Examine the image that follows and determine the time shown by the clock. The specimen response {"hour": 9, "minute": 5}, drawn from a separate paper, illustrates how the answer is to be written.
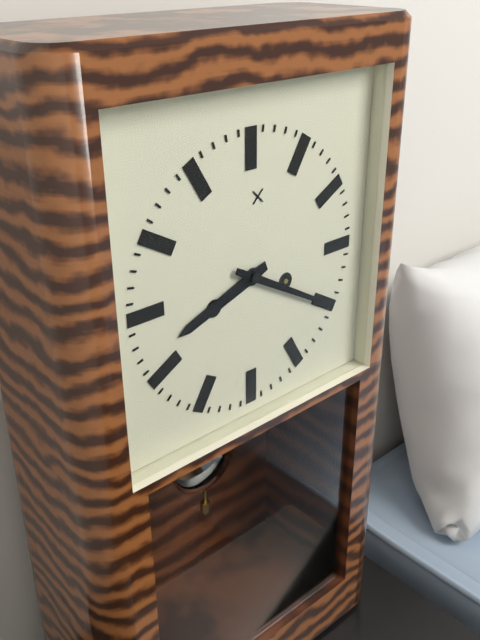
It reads {"hour": 8, "minute": 20}
